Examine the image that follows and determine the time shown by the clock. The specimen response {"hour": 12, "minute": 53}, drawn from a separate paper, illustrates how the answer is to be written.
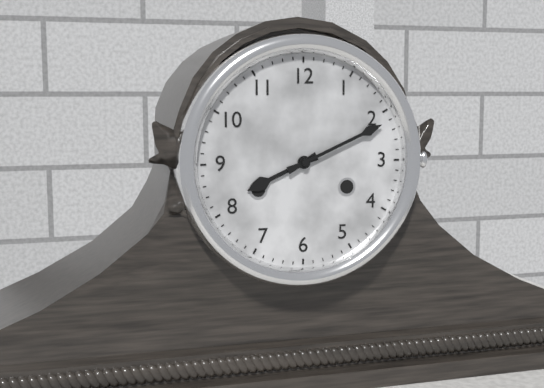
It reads {"hour": 8, "minute": 11}
